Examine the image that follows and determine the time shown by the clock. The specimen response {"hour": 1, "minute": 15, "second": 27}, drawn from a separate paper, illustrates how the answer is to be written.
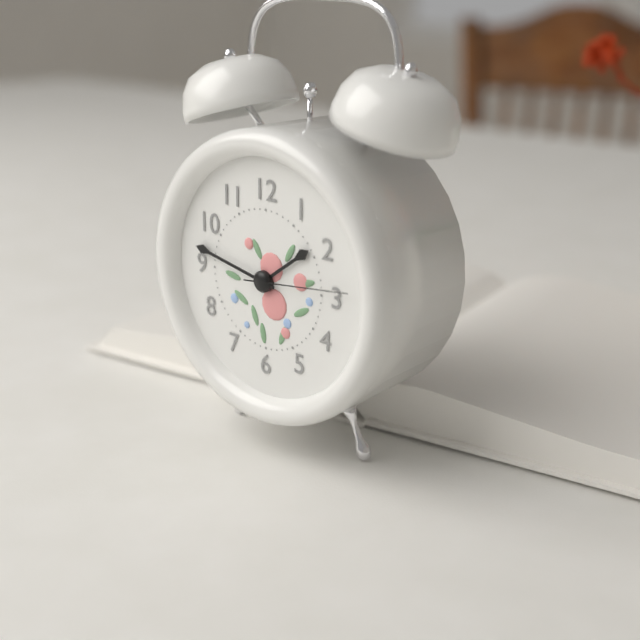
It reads {"hour": 1, "minute": 47, "second": 14}
